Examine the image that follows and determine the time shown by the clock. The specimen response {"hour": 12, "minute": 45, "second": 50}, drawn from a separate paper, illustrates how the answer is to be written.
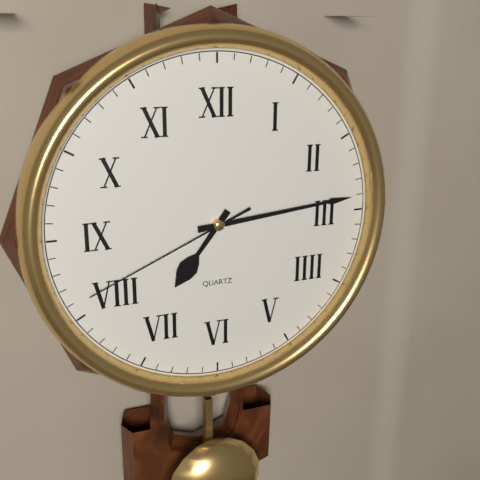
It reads {"hour": 7, "minute": 14, "second": 41}
